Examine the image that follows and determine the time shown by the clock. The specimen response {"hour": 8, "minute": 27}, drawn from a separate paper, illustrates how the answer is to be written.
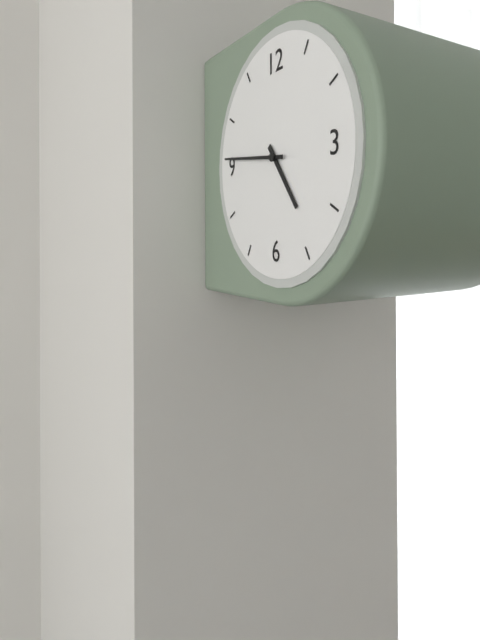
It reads {"hour": 4, "minute": 46}
